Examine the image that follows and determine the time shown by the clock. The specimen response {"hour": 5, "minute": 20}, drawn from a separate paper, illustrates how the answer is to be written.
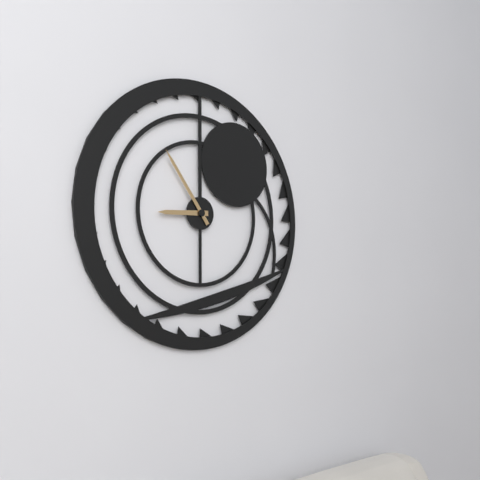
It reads {"hour": 8, "minute": 54}
